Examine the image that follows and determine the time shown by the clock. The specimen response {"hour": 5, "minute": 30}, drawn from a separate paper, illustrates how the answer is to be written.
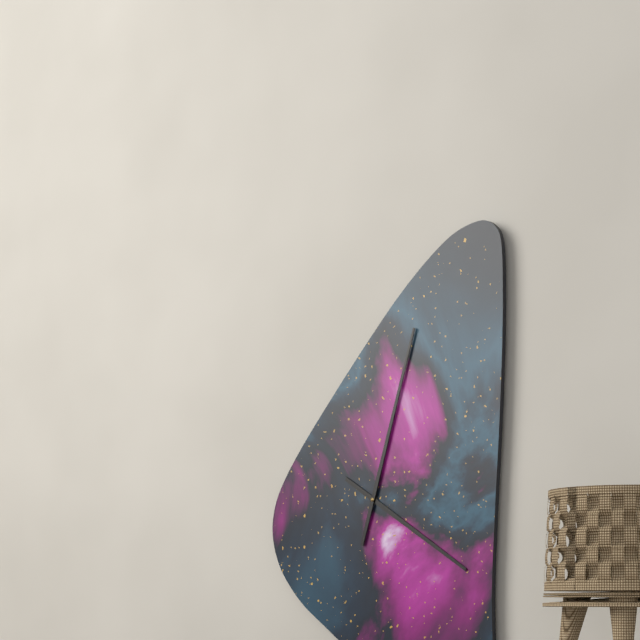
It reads {"hour": 4, "minute": 3}
